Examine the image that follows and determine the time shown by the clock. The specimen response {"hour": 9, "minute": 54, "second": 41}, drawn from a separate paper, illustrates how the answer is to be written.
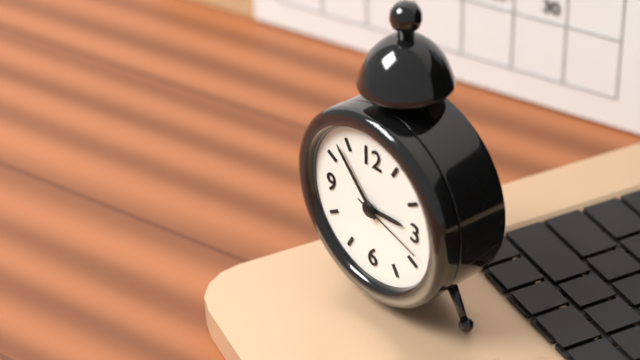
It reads {"hour": 2, "minute": 53, "second": 18}
